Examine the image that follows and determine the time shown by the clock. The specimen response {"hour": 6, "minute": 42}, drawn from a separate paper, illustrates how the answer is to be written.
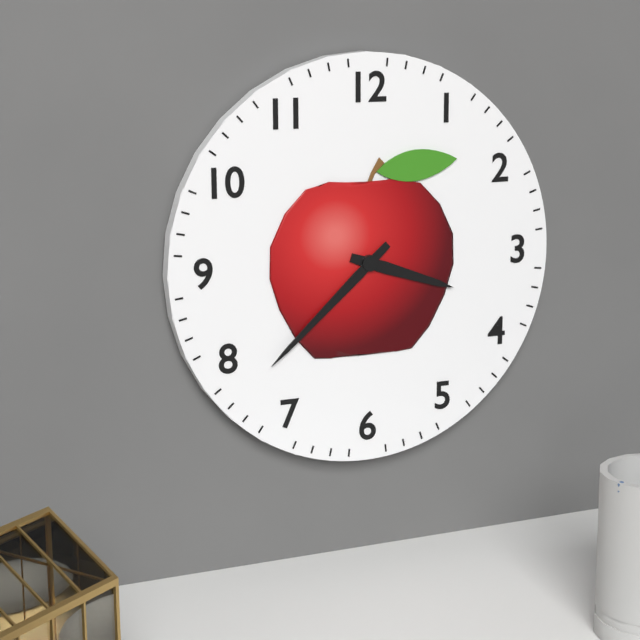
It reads {"hour": 3, "minute": 38}
